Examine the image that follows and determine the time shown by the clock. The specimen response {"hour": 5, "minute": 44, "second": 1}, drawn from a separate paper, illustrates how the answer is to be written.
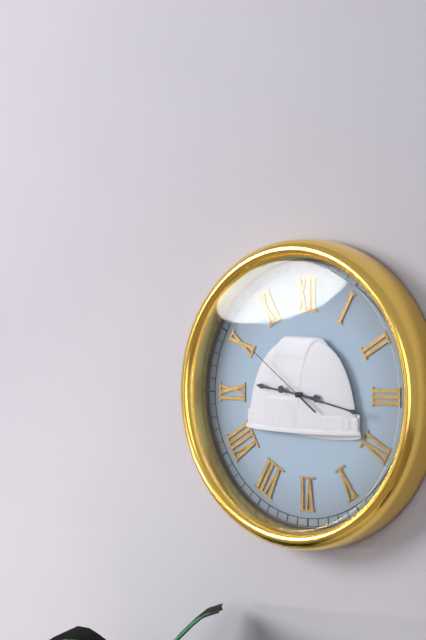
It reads {"hour": 9, "minute": 17, "second": 51}
